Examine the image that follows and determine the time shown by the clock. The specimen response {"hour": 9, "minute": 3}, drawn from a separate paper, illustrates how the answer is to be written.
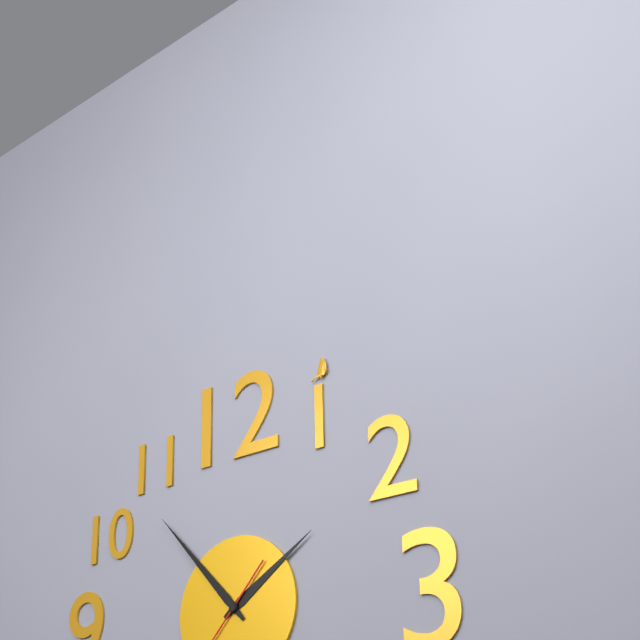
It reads {"hour": 1, "minute": 53}
